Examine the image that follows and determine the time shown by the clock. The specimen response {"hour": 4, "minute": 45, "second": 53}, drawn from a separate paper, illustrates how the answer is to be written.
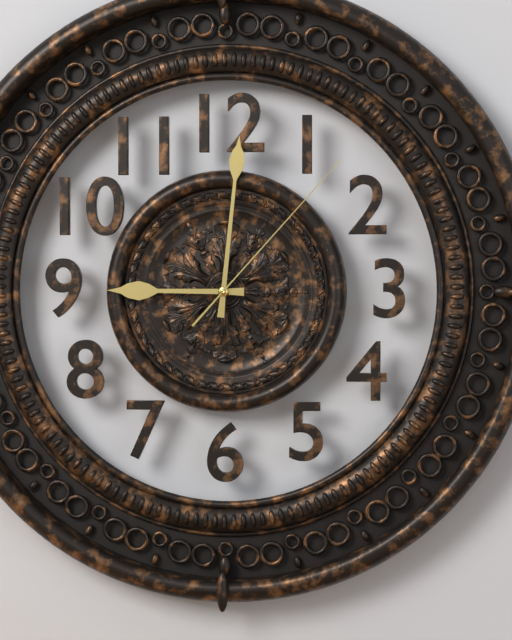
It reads {"hour": 9, "minute": 1, "second": 7}
